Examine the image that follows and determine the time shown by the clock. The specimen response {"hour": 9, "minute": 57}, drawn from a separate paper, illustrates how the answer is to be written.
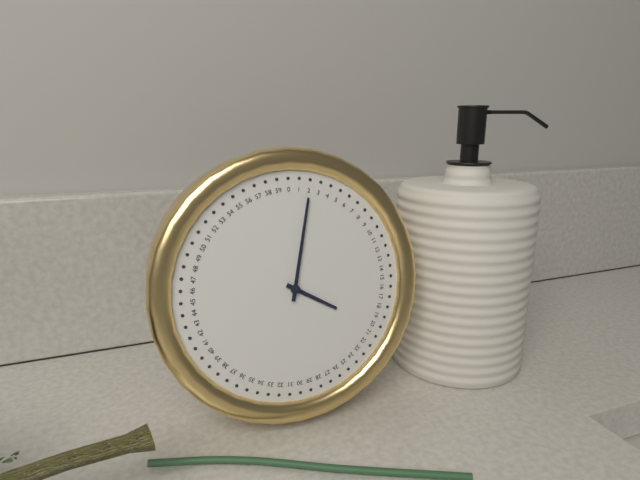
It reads {"hour": 4, "minute": 2}
